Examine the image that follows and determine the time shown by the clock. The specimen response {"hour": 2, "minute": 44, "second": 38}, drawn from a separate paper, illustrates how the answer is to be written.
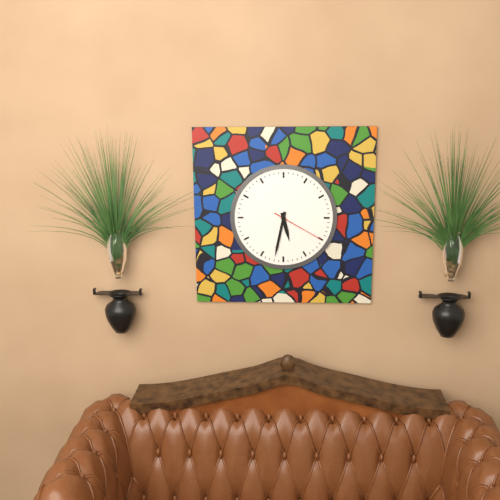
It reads {"hour": 5, "minute": 32, "second": 20}
